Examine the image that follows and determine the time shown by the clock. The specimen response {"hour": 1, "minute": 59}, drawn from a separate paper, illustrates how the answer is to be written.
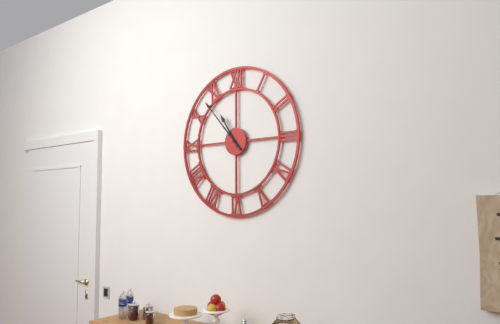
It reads {"hour": 10, "minute": 53}
